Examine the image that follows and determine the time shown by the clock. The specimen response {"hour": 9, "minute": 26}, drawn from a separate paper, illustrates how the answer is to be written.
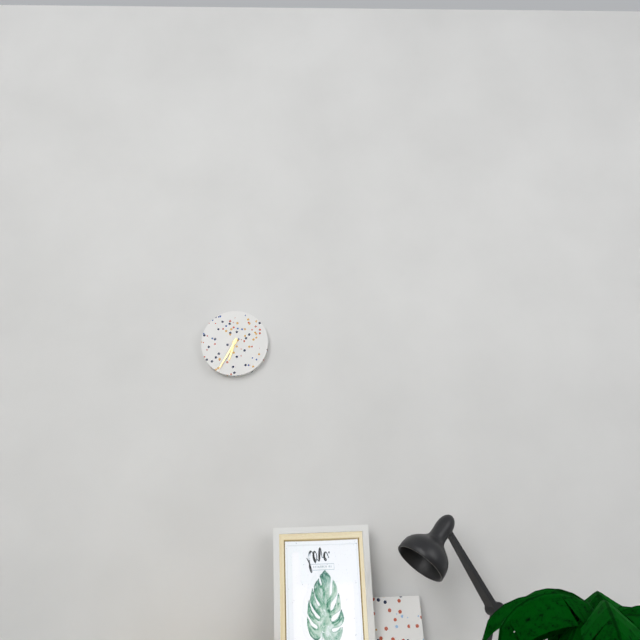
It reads {"hour": 6, "minute": 35}
